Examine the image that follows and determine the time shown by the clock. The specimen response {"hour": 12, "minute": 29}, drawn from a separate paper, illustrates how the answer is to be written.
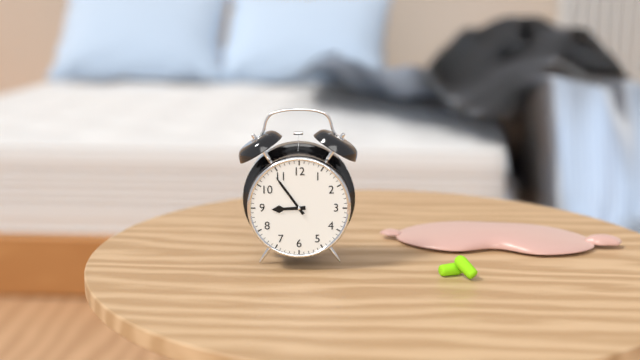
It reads {"hour": 8, "minute": 54}
